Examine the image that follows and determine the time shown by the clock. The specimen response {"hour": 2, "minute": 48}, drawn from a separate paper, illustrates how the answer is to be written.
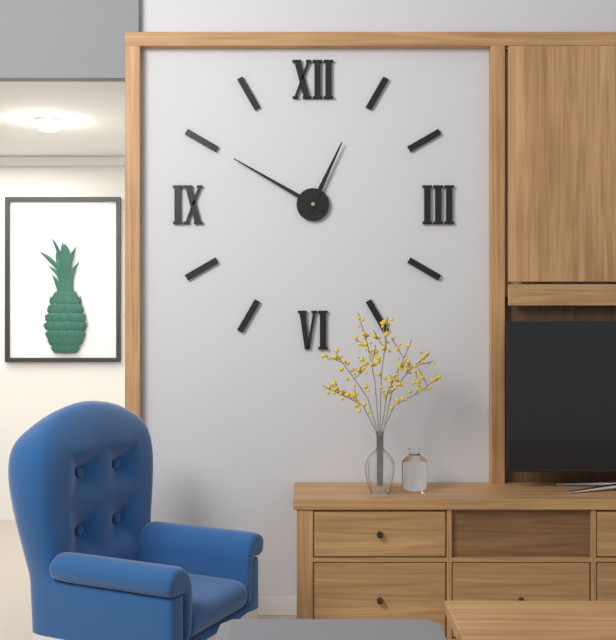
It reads {"hour": 12, "minute": 50}
